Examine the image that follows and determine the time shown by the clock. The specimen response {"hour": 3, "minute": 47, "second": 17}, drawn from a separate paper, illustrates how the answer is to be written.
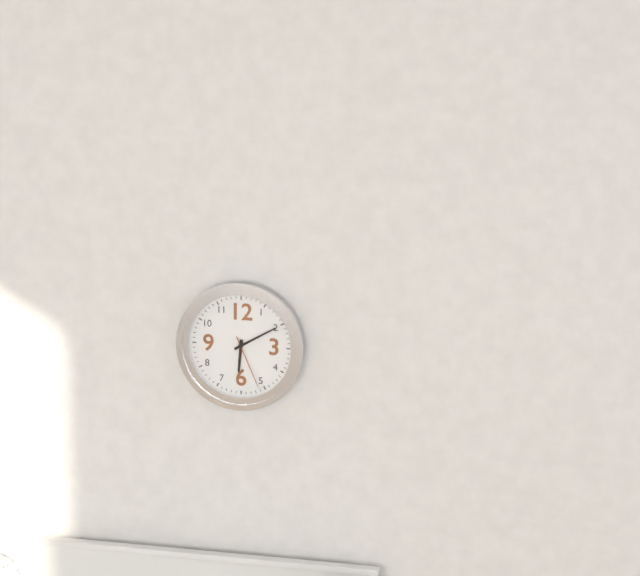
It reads {"hour": 6, "minute": 10, "second": 26}
